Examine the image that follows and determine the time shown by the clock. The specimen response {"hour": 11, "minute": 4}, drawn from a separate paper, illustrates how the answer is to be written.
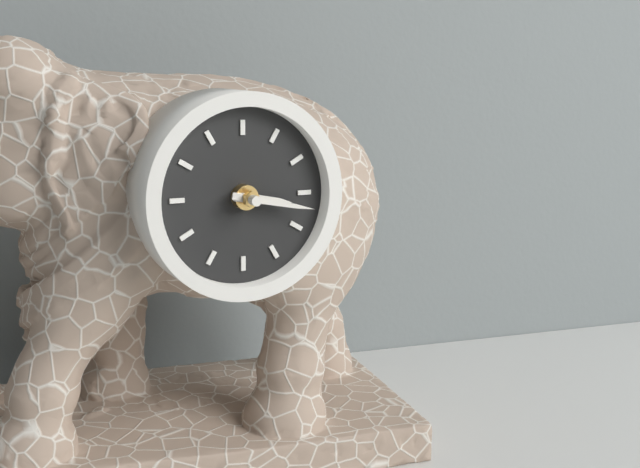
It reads {"hour": 3, "minute": 17}
